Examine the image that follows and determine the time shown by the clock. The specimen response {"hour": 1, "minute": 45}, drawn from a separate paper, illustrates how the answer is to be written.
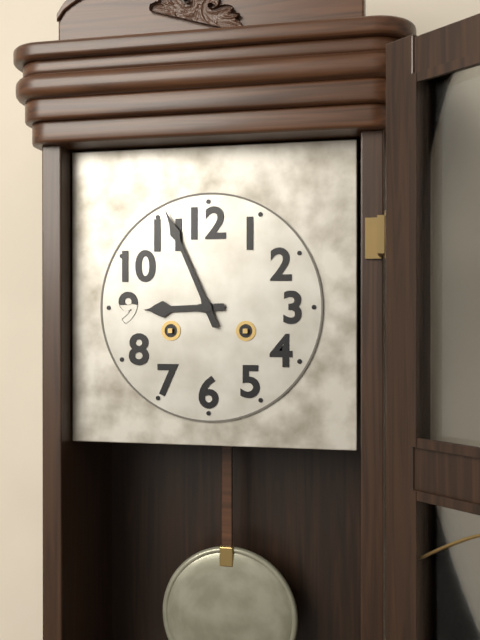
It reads {"hour": 8, "minute": 56}
